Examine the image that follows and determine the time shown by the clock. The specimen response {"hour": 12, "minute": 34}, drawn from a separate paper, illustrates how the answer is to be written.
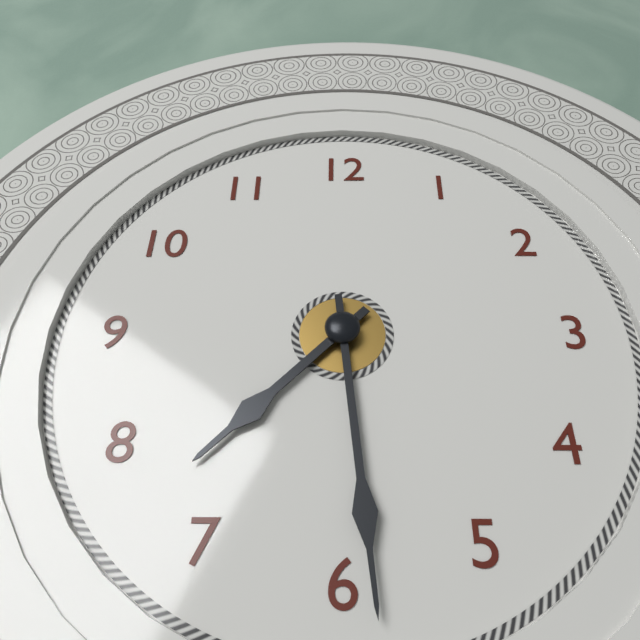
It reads {"hour": 7, "minute": 29}
